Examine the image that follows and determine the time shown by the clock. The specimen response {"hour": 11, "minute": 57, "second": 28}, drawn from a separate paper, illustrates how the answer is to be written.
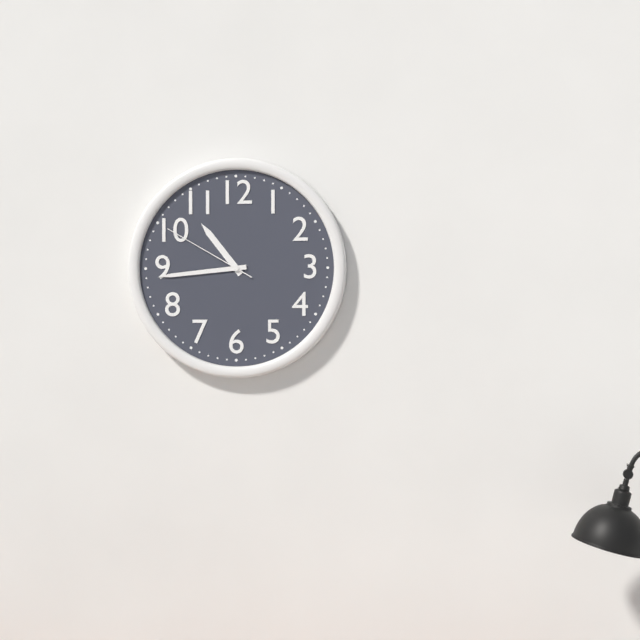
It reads {"hour": 10, "minute": 44, "second": 50}
